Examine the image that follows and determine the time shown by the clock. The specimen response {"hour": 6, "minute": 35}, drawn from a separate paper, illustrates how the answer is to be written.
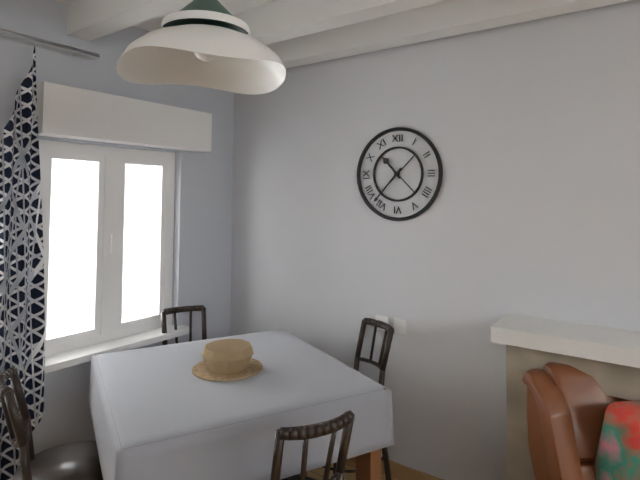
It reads {"hour": 10, "minute": 37}
